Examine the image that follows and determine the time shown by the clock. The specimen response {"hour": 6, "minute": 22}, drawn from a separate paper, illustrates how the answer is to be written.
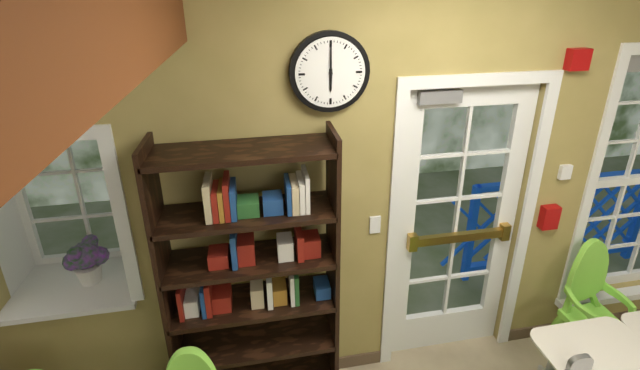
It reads {"hour": 6, "minute": 0}
